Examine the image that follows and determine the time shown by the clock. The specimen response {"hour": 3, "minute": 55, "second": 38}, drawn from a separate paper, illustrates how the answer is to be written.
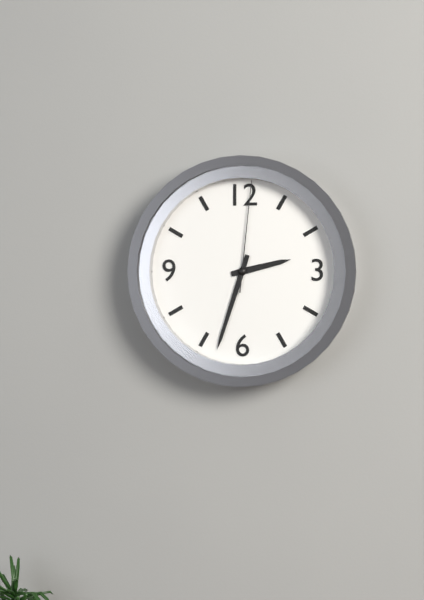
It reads {"hour": 2, "minute": 33, "second": 1}
